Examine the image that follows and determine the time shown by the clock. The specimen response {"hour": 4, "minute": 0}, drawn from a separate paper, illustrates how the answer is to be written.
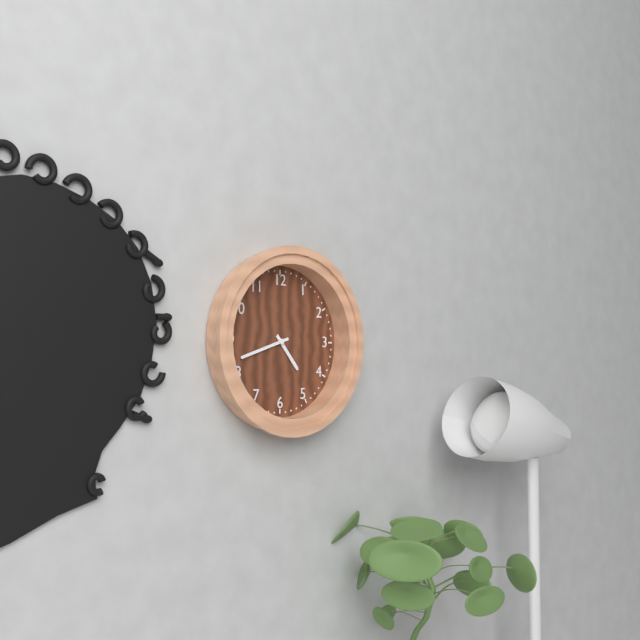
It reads {"hour": 4, "minute": 42}
